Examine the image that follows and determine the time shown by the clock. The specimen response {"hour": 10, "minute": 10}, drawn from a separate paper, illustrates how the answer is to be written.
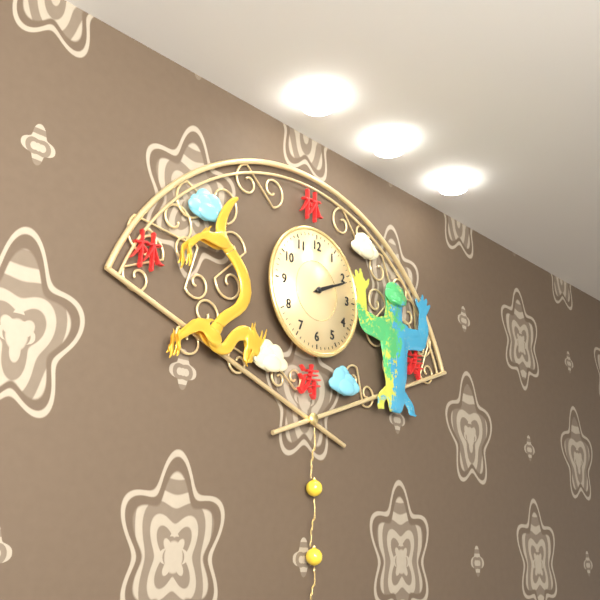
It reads {"hour": 2, "minute": 11}
